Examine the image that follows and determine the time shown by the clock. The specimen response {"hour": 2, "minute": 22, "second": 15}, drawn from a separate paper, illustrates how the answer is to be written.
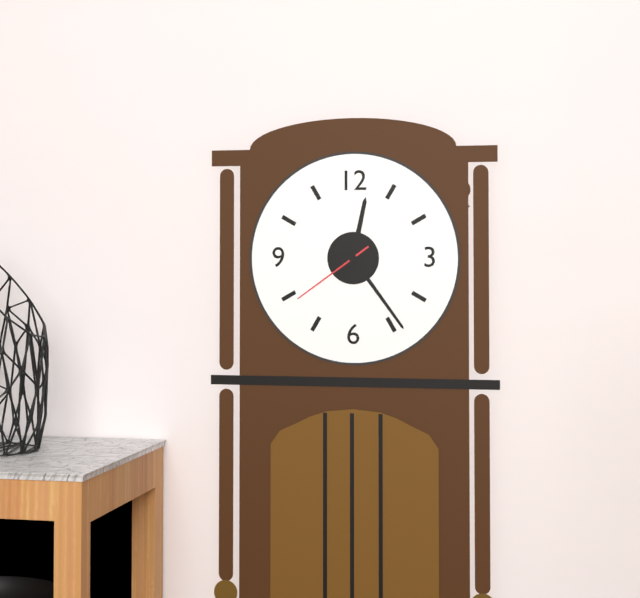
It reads {"hour": 12, "minute": 24, "second": 39}
